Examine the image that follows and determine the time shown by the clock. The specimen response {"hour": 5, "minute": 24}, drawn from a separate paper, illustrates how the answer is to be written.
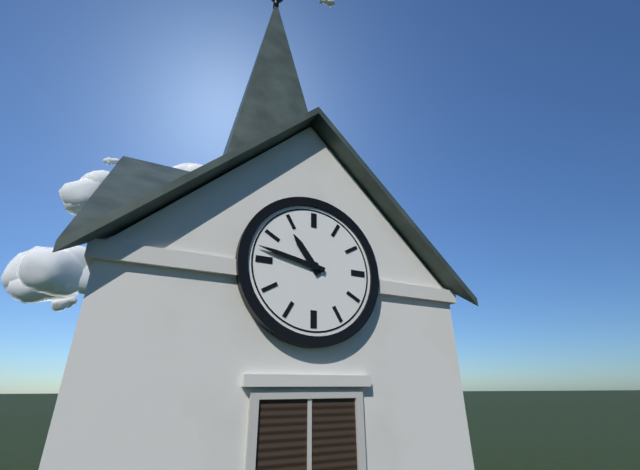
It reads {"hour": 10, "minute": 47}
